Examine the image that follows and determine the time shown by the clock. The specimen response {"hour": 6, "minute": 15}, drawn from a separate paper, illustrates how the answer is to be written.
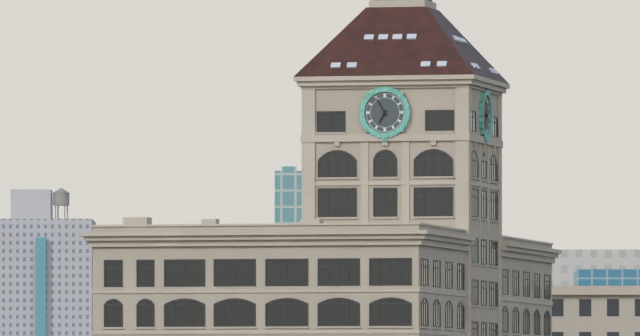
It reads {"hour": 6, "minute": 55}
